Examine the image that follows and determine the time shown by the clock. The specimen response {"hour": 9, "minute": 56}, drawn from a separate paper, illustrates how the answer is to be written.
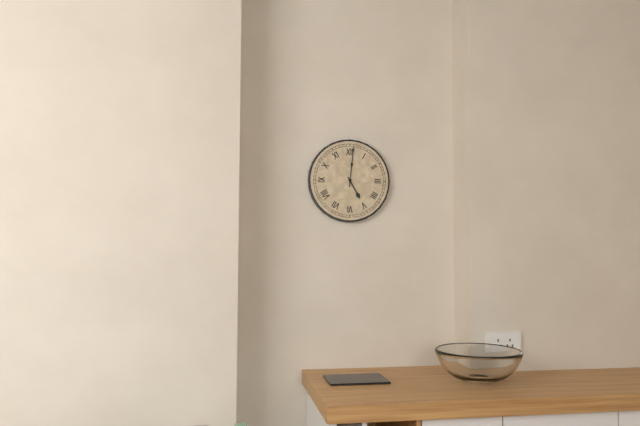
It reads {"hour": 5, "minute": 1}
